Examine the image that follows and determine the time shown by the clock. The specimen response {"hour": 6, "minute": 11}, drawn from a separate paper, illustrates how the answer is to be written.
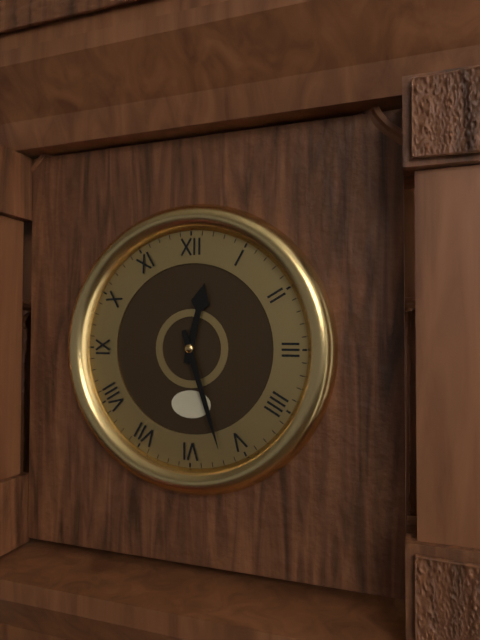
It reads {"hour": 12, "minute": 27}
